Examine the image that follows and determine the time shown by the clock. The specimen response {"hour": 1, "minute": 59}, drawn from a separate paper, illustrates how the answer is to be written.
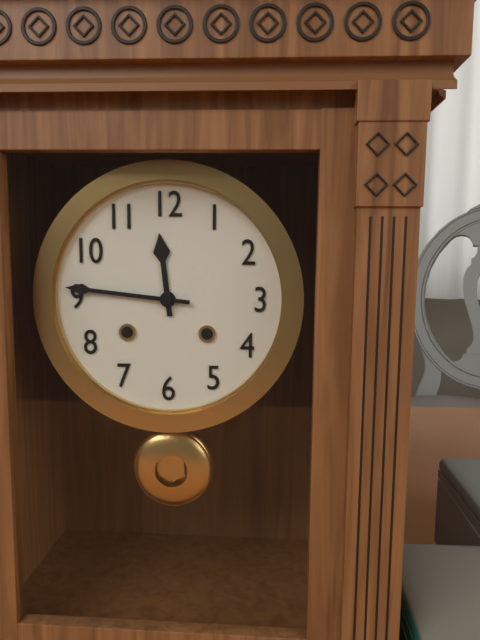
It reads {"hour": 11, "minute": 46}
